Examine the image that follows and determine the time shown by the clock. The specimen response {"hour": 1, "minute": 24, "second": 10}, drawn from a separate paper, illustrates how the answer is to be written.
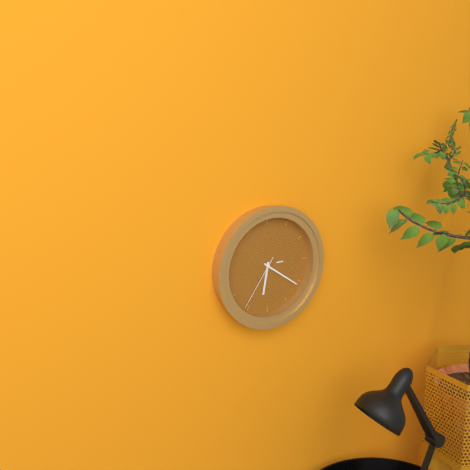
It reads {"hour": 6, "minute": 21, "second": 36}
